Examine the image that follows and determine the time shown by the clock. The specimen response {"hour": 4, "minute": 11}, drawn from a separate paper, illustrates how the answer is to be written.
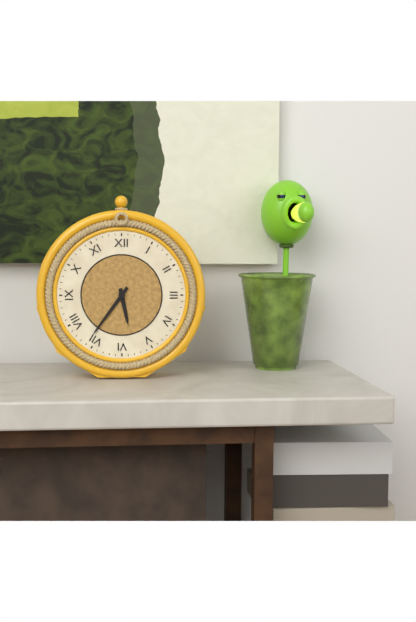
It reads {"hour": 5, "minute": 36}
